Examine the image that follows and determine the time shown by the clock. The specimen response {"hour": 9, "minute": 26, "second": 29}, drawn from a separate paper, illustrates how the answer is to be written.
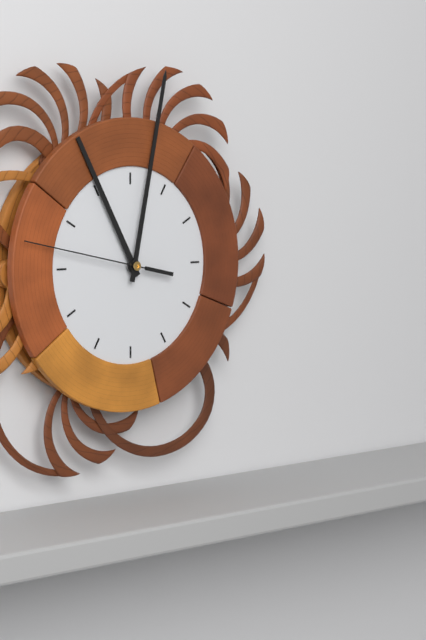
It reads {"hour": 11, "minute": 2, "second": 47}
